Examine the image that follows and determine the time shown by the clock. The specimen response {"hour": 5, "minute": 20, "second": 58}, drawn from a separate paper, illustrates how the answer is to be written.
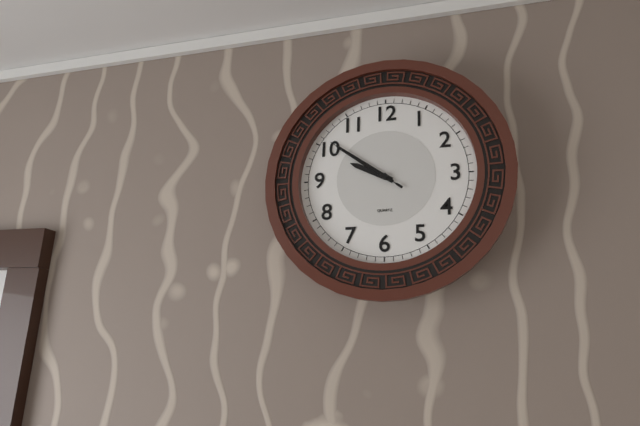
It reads {"hour": 9, "minute": 51, "second": 51}
